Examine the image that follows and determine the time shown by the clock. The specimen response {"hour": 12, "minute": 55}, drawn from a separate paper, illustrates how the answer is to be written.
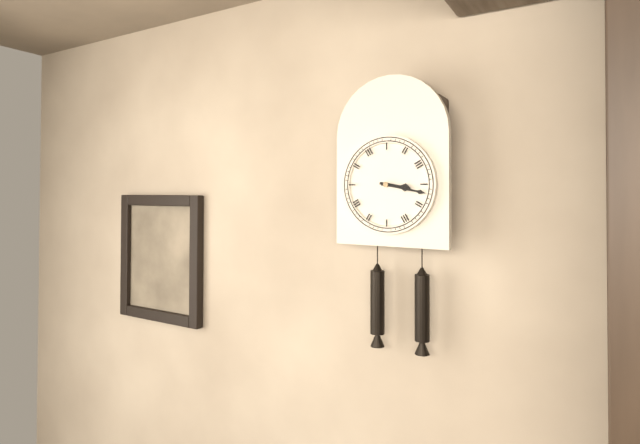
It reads {"hour": 3, "minute": 17}
